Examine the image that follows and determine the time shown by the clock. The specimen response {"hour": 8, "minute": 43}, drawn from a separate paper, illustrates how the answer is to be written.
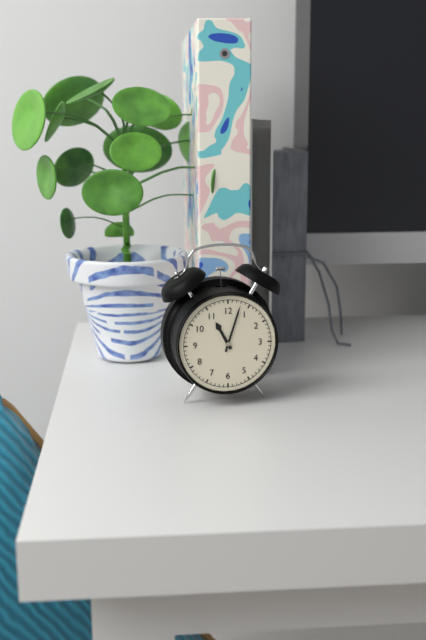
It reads {"hour": 11, "minute": 3}
